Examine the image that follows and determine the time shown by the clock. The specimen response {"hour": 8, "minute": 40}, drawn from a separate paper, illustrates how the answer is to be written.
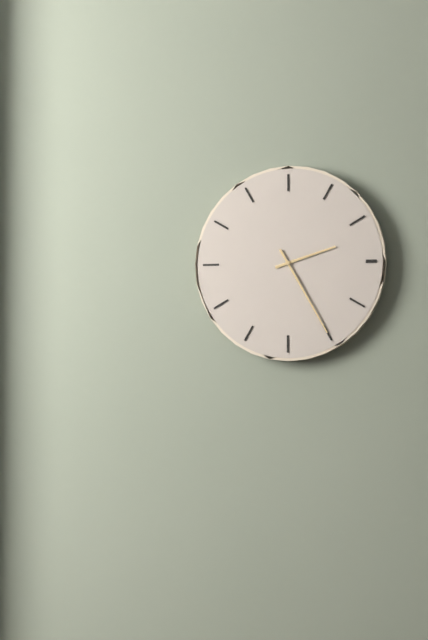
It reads {"hour": 2, "minute": 25}
